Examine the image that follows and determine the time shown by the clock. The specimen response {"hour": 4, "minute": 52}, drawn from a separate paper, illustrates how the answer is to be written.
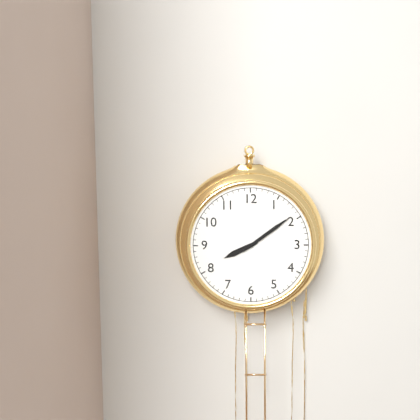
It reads {"hour": 8, "minute": 9}
